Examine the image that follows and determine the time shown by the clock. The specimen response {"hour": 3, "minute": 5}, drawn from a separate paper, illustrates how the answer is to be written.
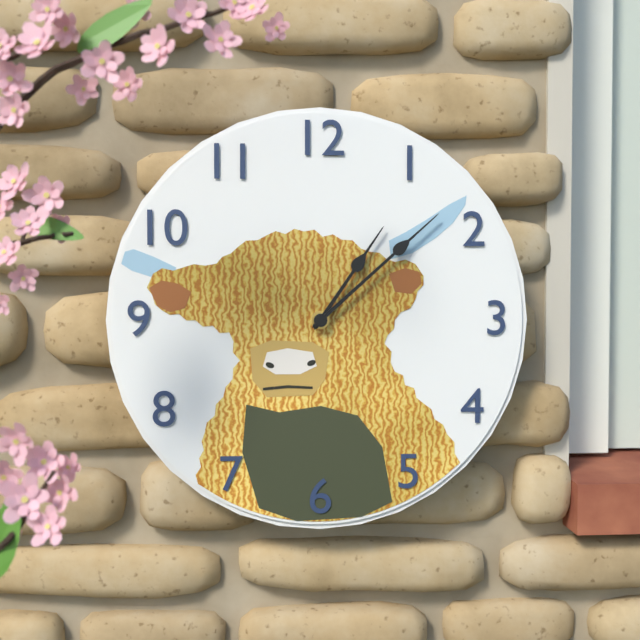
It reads {"hour": 1, "minute": 8}
